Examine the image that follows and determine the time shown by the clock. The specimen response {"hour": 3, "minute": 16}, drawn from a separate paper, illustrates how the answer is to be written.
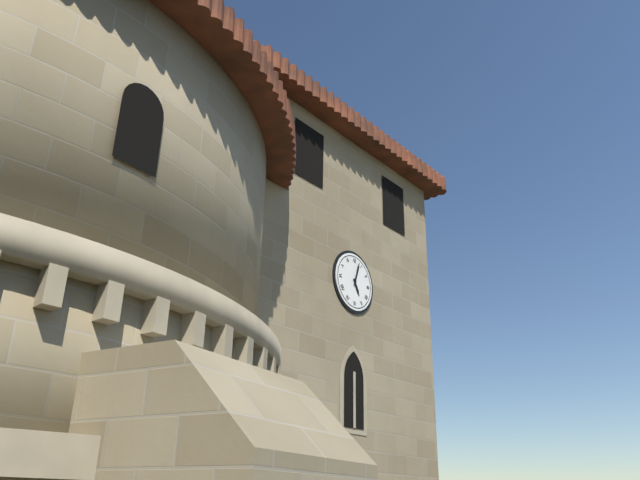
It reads {"hour": 5, "minute": 3}
